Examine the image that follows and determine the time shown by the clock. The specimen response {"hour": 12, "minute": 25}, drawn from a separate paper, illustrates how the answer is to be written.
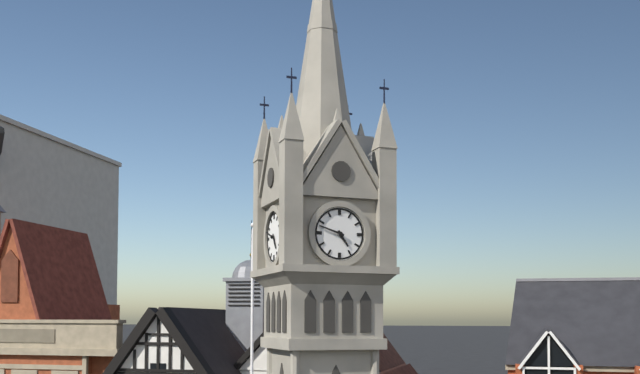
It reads {"hour": 4, "minute": 48}
